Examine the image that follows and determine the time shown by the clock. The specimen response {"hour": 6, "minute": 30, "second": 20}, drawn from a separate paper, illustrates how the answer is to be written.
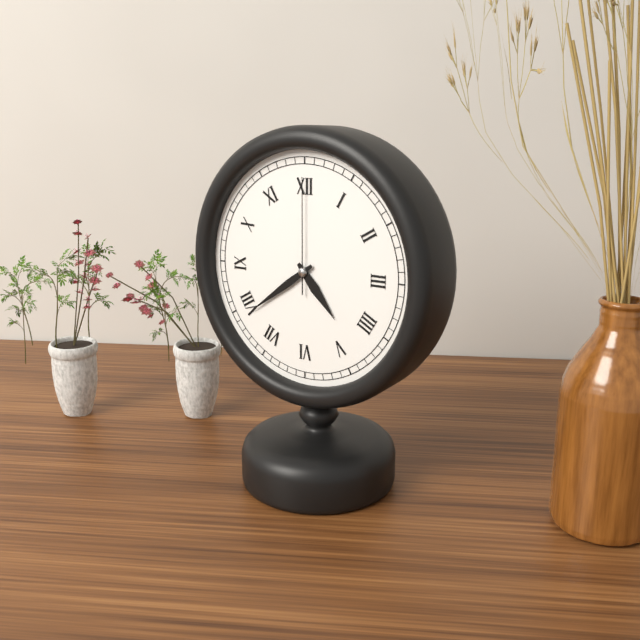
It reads {"hour": 4, "minute": 39, "second": 0}
